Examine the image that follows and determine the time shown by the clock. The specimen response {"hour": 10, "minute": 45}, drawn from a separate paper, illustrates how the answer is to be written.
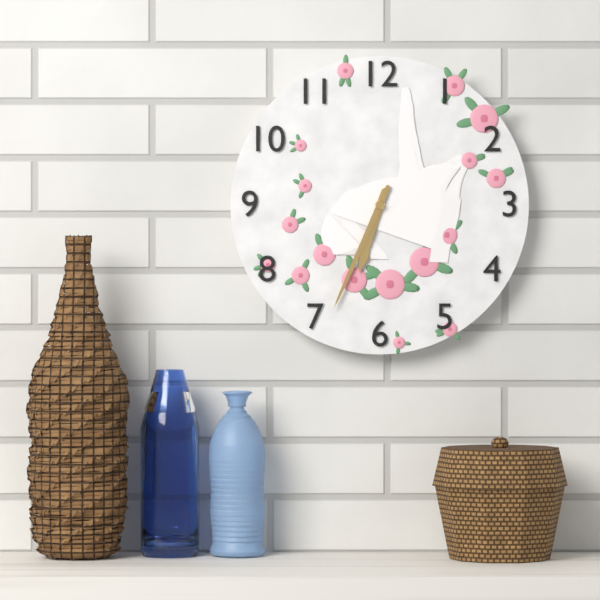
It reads {"hour": 6, "minute": 34}
